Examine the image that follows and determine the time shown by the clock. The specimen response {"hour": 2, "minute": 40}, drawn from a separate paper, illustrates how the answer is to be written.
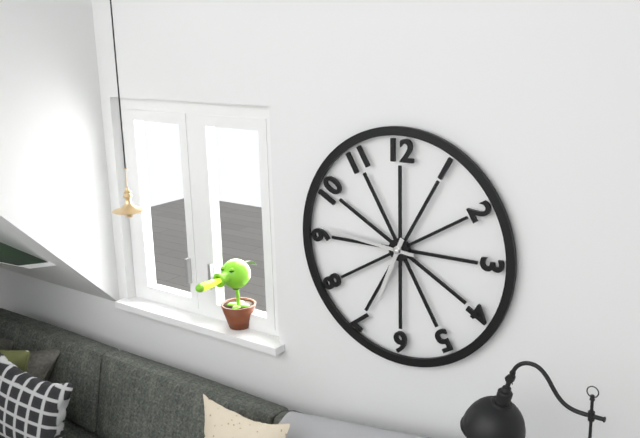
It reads {"hour": 6, "minute": 46}
